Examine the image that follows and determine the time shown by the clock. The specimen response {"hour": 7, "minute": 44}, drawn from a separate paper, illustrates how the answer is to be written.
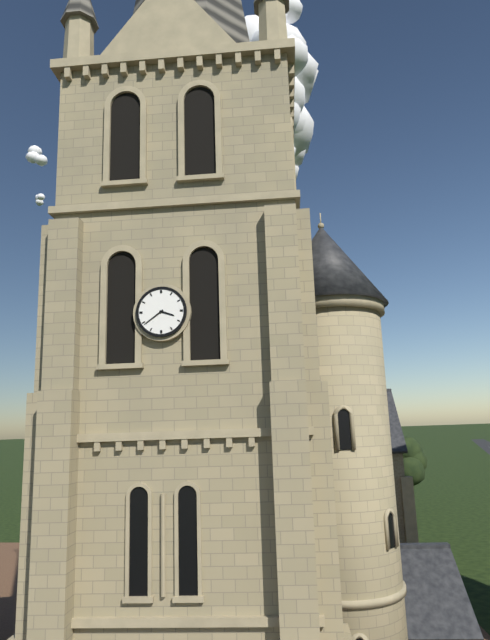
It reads {"hour": 3, "minute": 39}
